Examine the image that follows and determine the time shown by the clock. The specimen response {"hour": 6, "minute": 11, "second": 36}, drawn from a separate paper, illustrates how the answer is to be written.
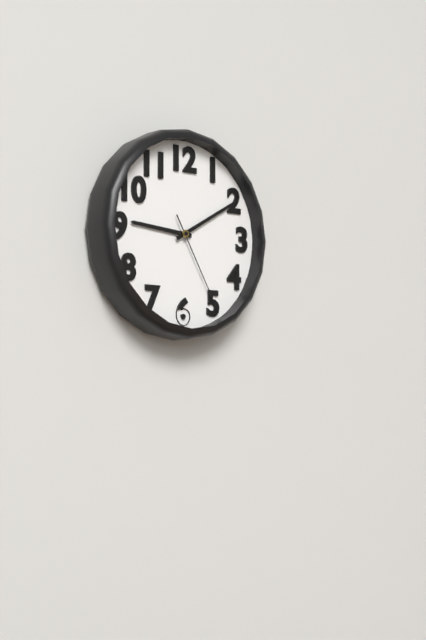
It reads {"hour": 9, "minute": 10, "second": 25}
